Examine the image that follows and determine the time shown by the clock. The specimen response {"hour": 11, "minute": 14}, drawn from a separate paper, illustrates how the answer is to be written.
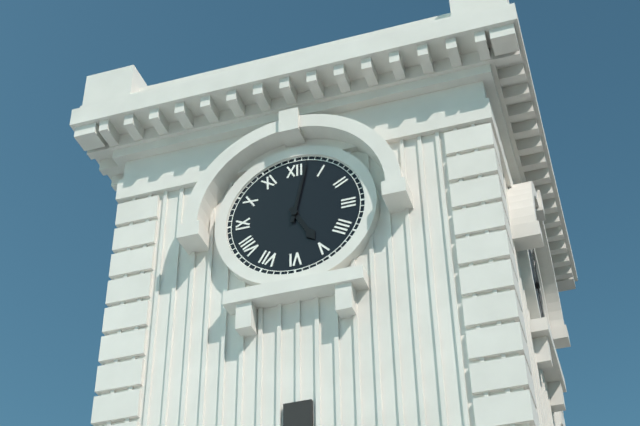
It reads {"hour": 5, "minute": 2}
